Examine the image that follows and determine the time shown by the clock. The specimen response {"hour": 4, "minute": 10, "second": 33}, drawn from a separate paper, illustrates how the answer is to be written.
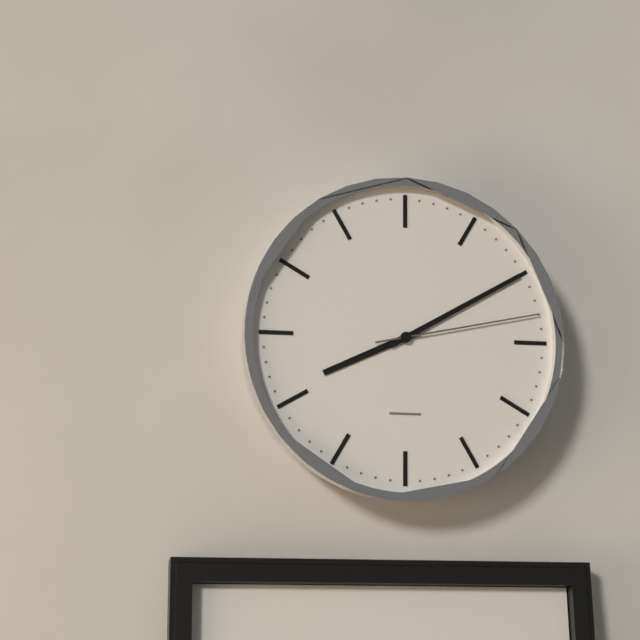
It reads {"hour": 8, "minute": 10, "second": 13}
